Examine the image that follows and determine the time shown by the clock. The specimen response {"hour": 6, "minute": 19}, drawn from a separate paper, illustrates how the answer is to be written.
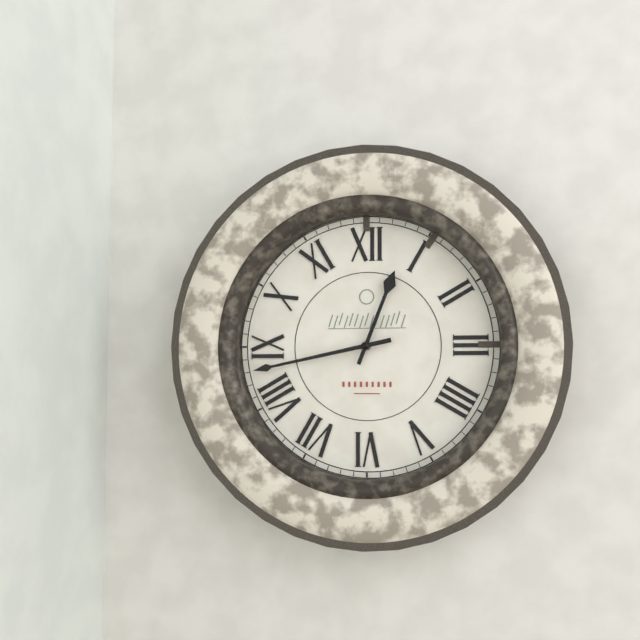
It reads {"hour": 12, "minute": 43}
